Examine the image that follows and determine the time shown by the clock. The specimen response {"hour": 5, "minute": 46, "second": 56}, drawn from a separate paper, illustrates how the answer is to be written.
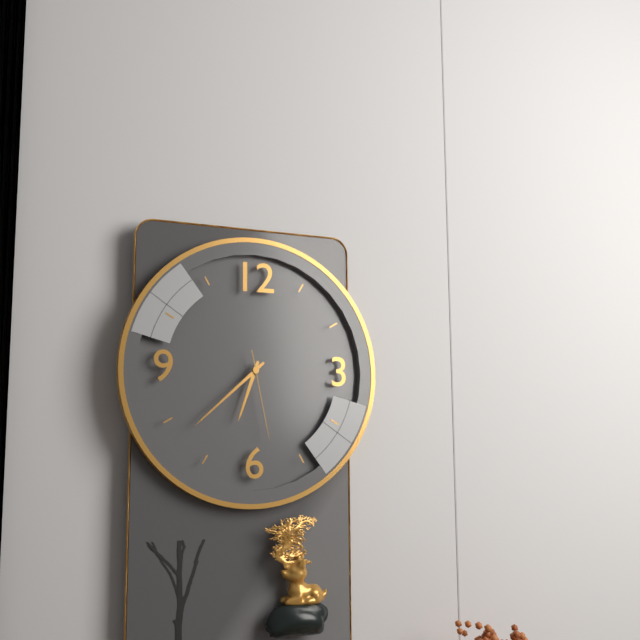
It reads {"hour": 6, "minute": 38, "second": 28}
